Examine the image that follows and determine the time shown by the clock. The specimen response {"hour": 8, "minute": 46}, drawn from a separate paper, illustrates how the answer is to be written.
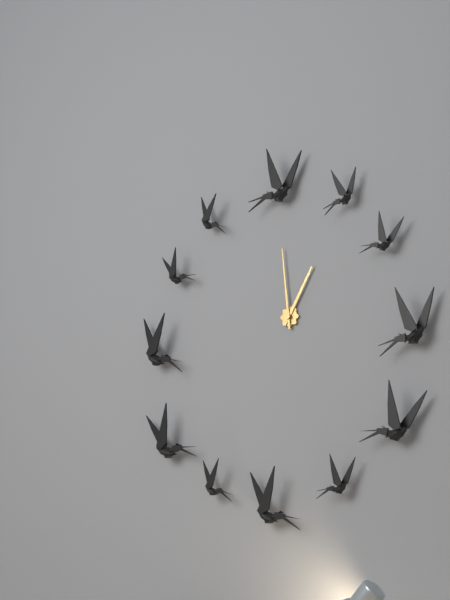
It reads {"hour": 12, "minute": 59}
